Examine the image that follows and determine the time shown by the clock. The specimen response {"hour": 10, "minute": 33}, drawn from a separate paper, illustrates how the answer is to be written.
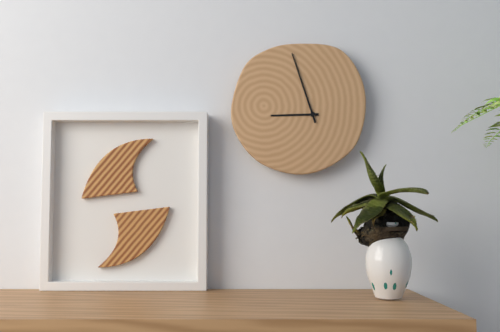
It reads {"hour": 8, "minute": 57}
